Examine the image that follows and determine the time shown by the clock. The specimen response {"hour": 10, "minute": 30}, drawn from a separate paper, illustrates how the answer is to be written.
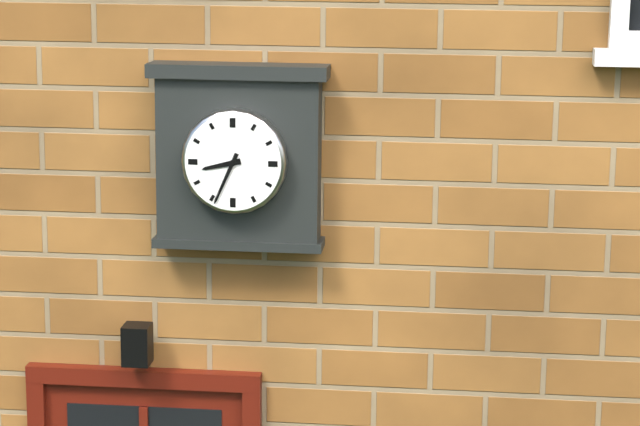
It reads {"hour": 8, "minute": 34}
